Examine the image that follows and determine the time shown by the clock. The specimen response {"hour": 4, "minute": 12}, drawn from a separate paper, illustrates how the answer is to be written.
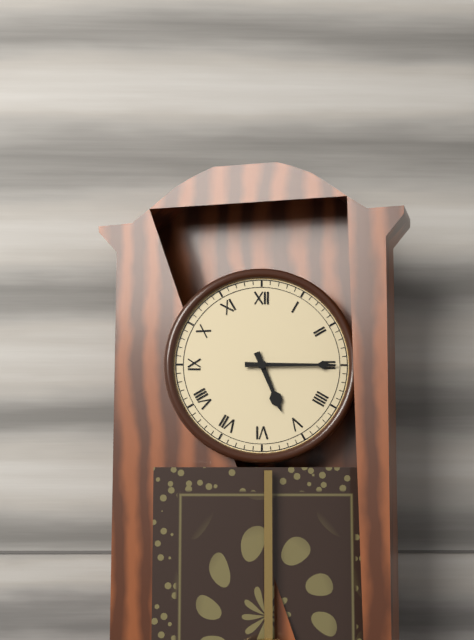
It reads {"hour": 5, "minute": 15}
